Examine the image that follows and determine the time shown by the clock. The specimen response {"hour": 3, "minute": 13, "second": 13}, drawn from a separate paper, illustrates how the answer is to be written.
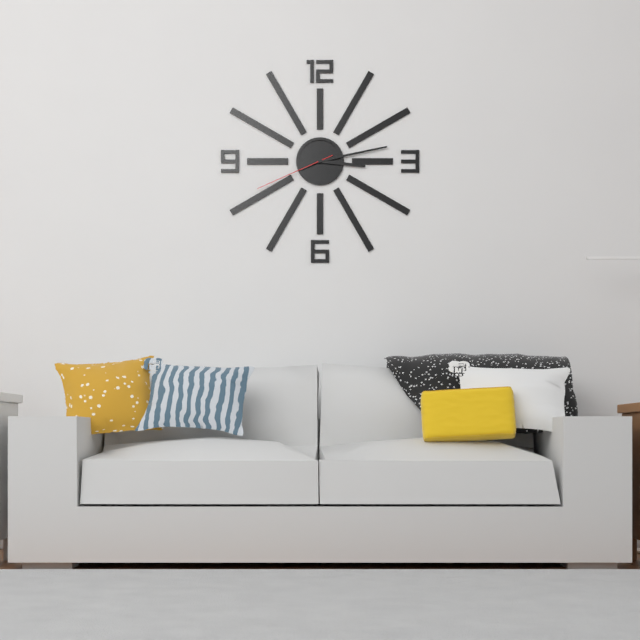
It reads {"hour": 3, "minute": 13, "second": 41}
